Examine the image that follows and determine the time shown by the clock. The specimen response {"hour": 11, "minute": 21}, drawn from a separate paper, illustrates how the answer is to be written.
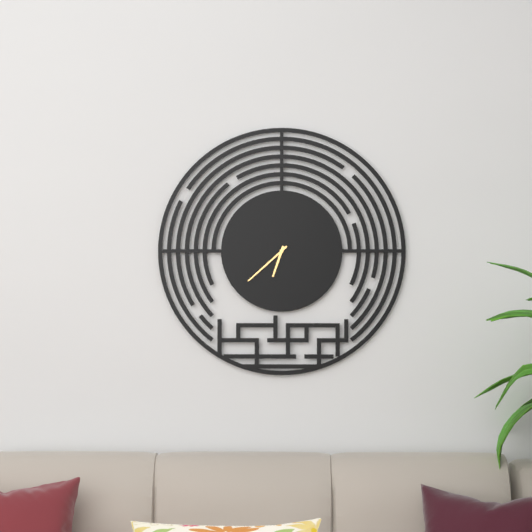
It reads {"hour": 6, "minute": 38}
